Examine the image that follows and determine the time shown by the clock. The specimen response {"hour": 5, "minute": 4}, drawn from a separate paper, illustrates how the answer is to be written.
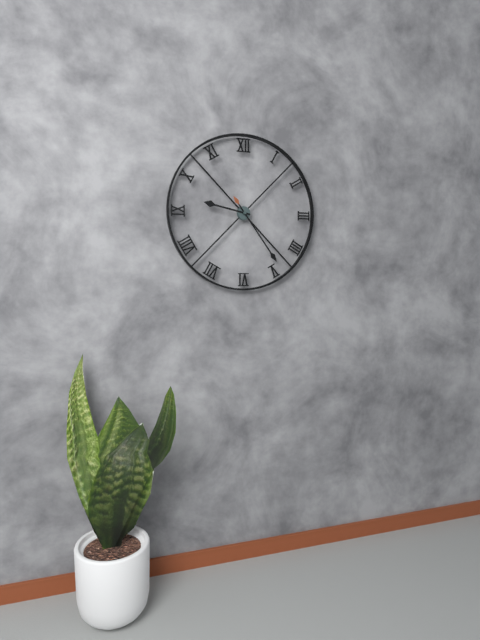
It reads {"hour": 9, "minute": 24}
